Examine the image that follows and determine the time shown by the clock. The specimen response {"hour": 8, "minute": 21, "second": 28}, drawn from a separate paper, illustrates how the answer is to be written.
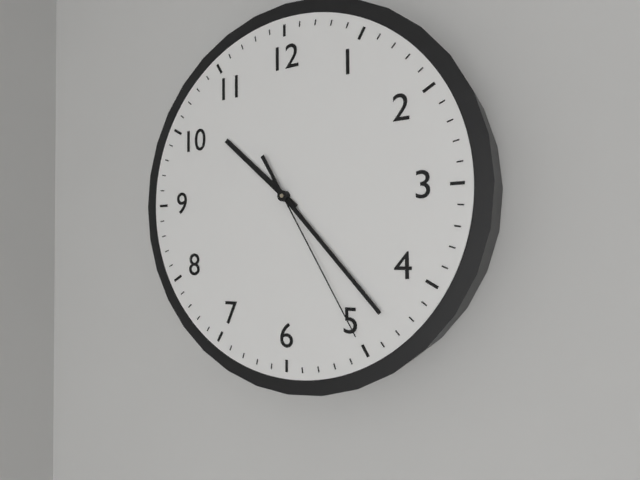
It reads {"hour": 10, "minute": 23, "second": 25}
